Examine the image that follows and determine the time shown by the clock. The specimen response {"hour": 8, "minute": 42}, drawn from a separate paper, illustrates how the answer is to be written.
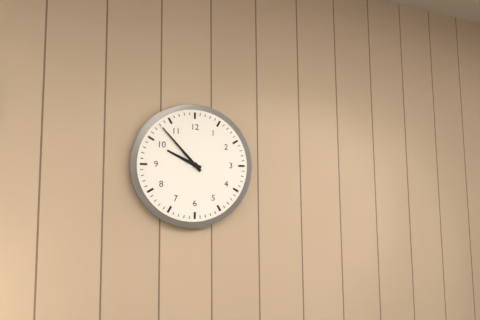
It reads {"hour": 9, "minute": 53}
